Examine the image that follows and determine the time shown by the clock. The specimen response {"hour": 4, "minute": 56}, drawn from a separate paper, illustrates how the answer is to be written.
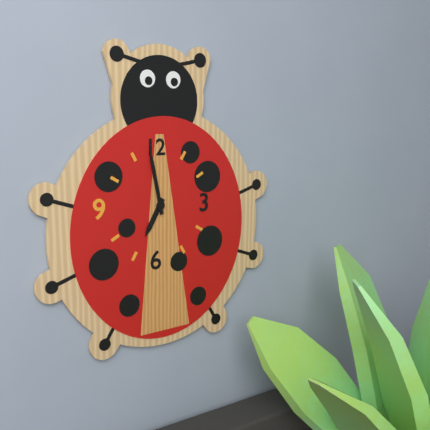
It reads {"hour": 6, "minute": 58}
